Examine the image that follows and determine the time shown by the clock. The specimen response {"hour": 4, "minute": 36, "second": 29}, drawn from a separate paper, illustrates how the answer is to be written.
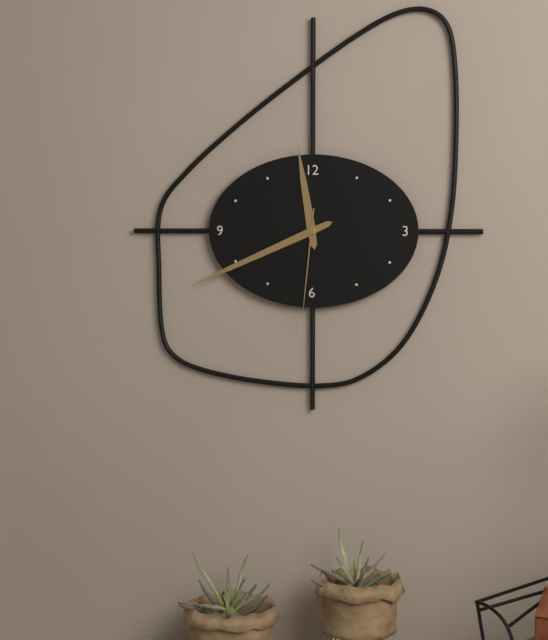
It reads {"hour": 11, "minute": 41, "second": 31}
